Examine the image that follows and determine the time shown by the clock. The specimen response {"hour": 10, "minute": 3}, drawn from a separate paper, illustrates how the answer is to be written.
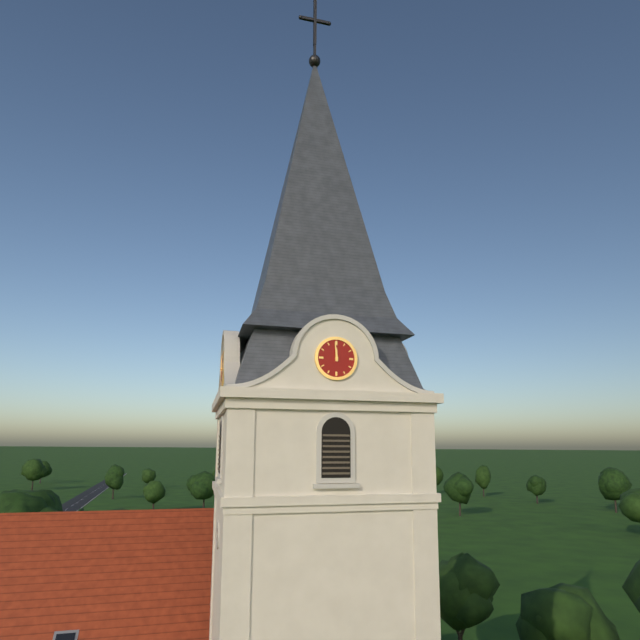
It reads {"hour": 11, "minute": 59}
